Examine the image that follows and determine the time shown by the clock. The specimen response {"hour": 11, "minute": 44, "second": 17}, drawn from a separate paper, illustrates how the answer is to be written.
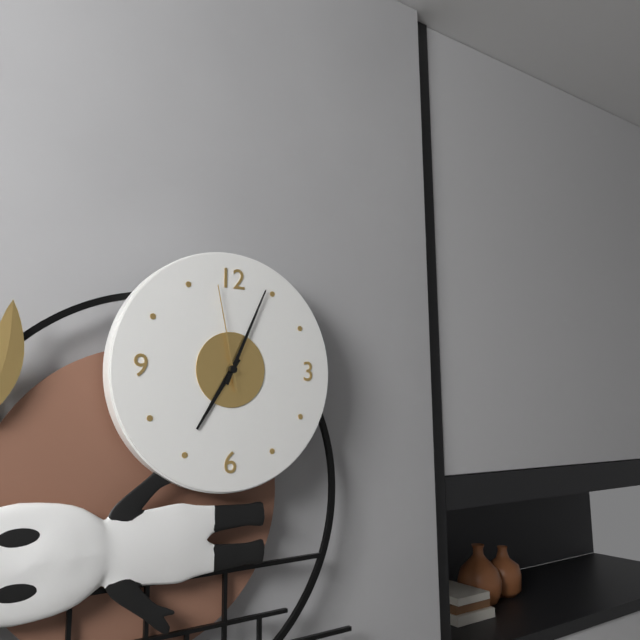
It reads {"hour": 7, "minute": 4, "second": 58}
